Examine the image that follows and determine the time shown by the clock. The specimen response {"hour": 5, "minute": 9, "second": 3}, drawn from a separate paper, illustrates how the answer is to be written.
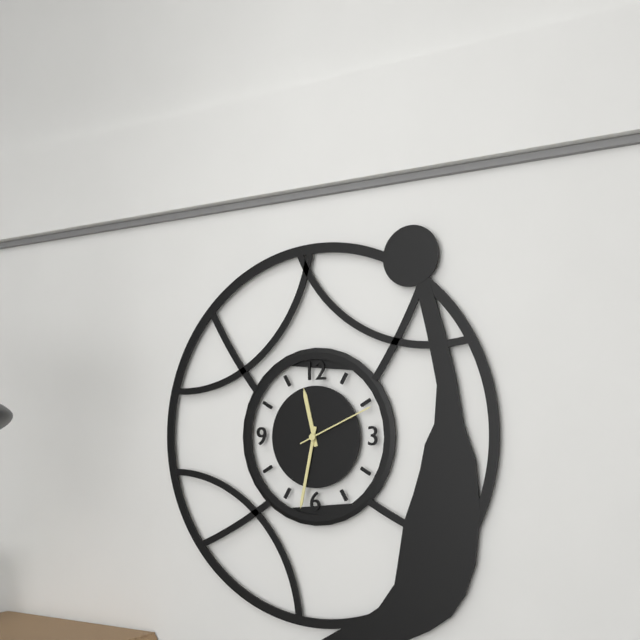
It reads {"hour": 11, "minute": 32, "second": 11}
